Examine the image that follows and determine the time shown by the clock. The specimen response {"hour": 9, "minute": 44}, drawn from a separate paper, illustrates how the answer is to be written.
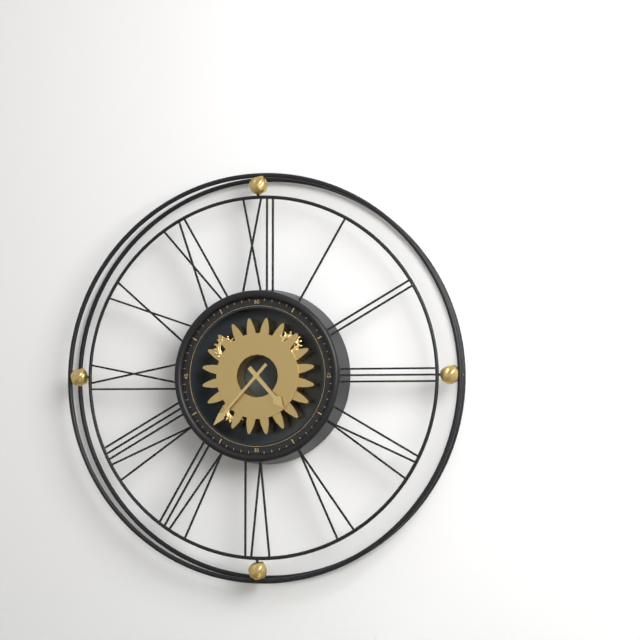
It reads {"hour": 4, "minute": 37}
